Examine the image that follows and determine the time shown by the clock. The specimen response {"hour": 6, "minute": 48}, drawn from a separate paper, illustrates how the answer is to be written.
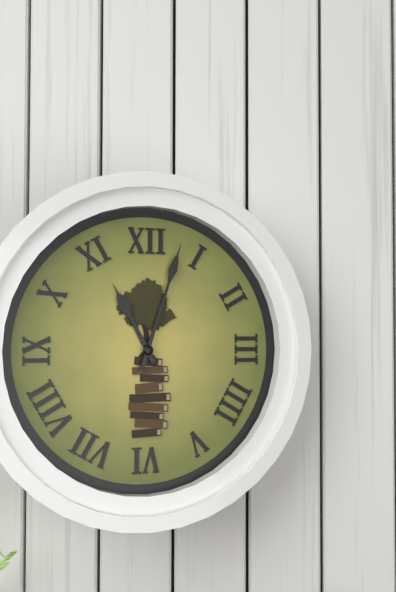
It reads {"hour": 11, "minute": 3}
